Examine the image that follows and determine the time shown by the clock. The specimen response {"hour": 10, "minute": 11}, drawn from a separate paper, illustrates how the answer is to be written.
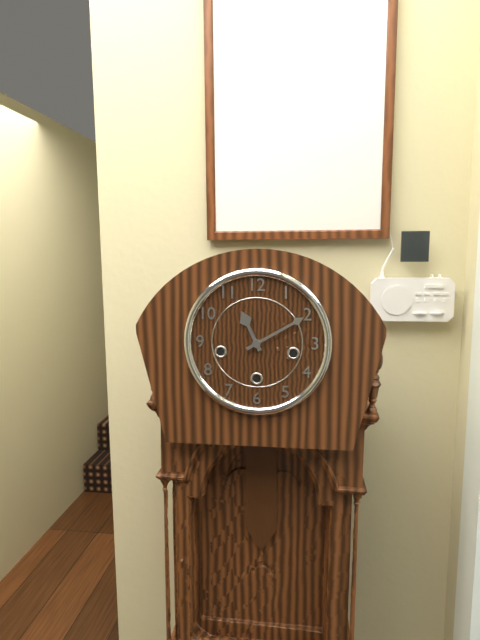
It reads {"hour": 11, "minute": 10}
